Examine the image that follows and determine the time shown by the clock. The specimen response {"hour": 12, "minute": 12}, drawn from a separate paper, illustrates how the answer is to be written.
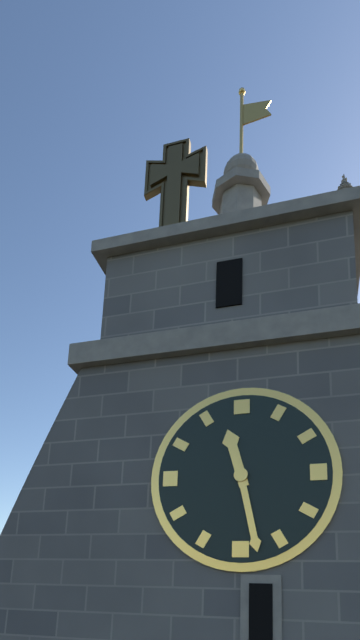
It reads {"hour": 11, "minute": 28}
